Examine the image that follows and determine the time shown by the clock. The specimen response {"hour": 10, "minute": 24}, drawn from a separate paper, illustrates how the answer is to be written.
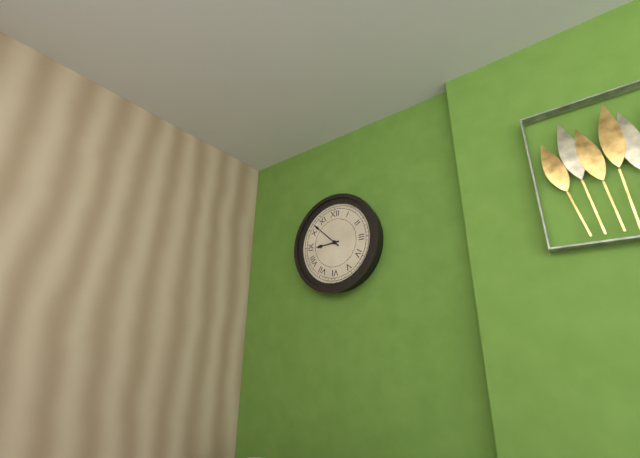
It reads {"hour": 8, "minute": 52}
